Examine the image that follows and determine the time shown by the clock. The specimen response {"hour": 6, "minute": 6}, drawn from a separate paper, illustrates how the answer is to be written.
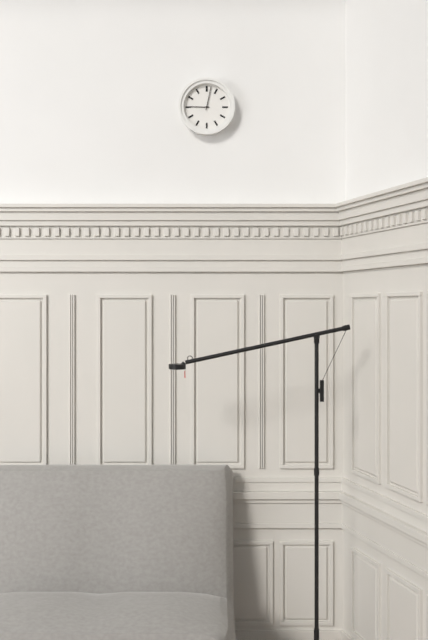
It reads {"hour": 9, "minute": 2}
